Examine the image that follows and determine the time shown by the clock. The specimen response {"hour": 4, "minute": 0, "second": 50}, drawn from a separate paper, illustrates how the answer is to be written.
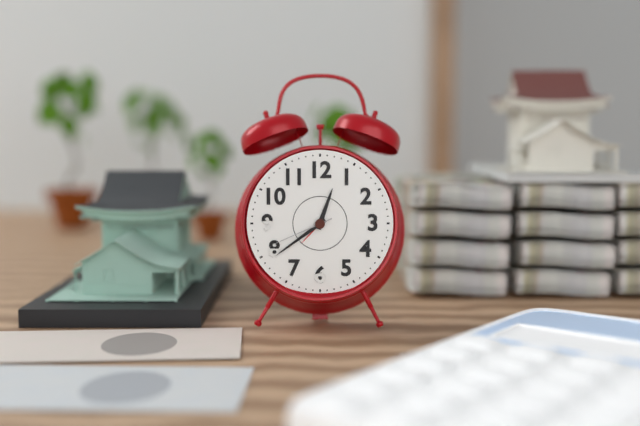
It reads {"hour": 12, "minute": 39, "second": 41}
